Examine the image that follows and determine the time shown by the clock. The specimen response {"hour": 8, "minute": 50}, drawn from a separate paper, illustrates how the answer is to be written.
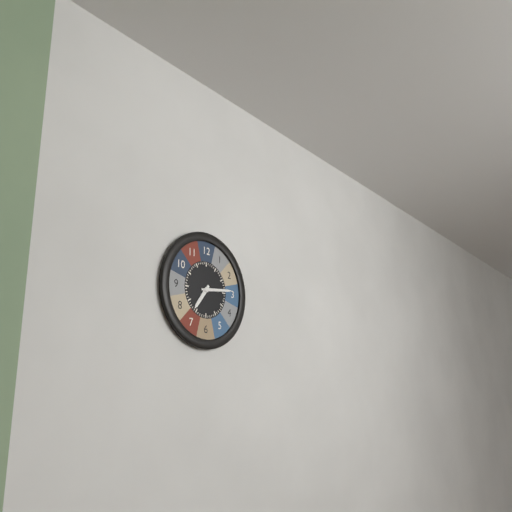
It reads {"hour": 7, "minute": 14}
